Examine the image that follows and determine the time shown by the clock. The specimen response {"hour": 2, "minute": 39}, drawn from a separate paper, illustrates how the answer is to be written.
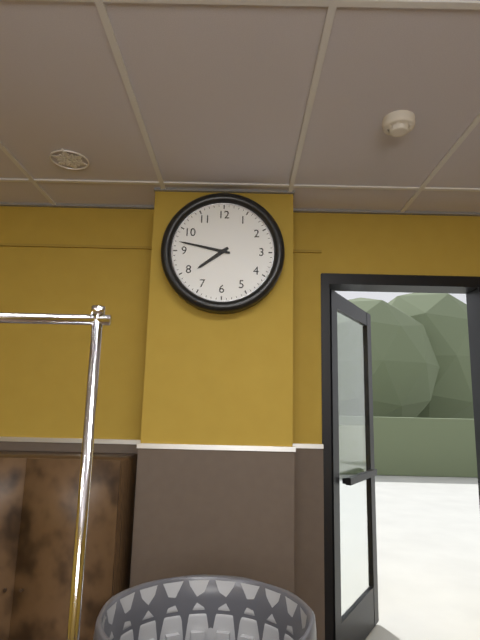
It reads {"hour": 7, "minute": 47}
